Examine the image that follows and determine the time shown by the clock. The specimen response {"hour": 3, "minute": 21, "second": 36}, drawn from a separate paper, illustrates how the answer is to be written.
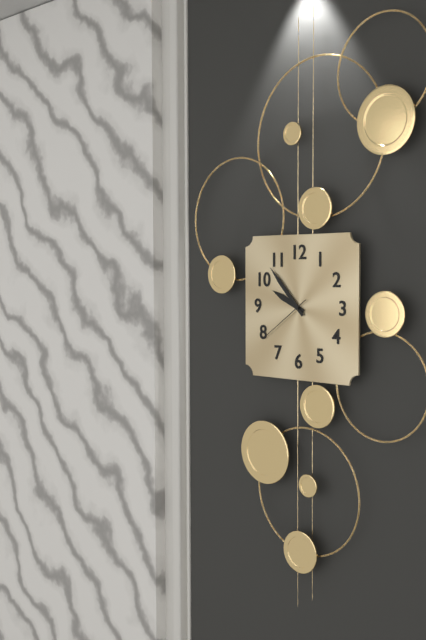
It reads {"hour": 9, "minute": 53, "second": 39}
